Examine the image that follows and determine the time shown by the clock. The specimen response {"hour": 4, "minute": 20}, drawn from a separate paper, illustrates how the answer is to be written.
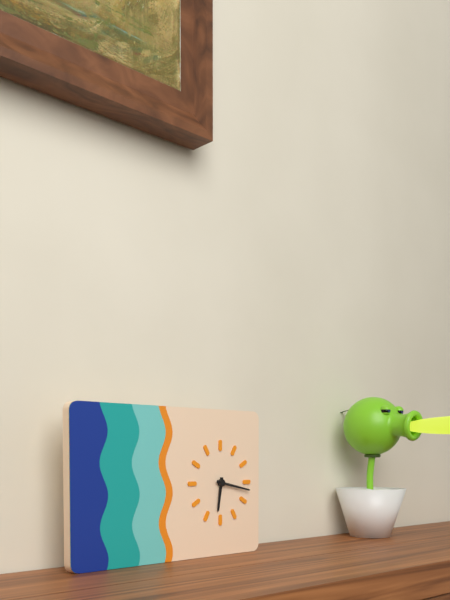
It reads {"hour": 6, "minute": 17}
